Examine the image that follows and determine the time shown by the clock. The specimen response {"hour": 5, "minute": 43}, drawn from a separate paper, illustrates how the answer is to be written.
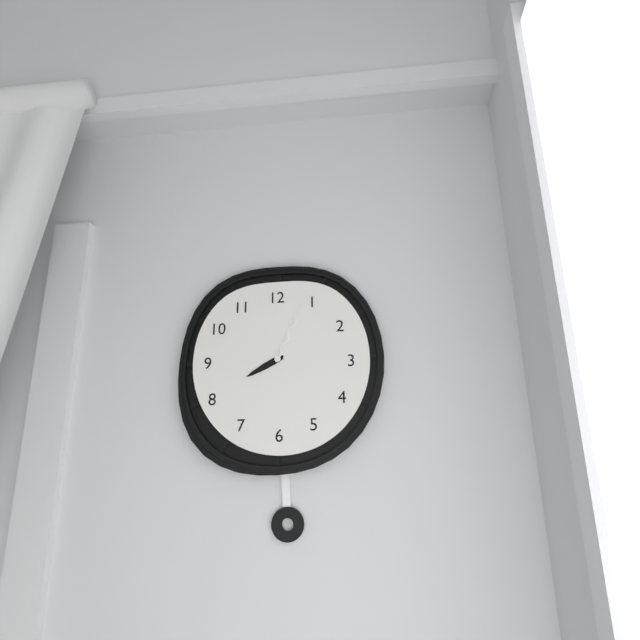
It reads {"hour": 8, "minute": 4}
